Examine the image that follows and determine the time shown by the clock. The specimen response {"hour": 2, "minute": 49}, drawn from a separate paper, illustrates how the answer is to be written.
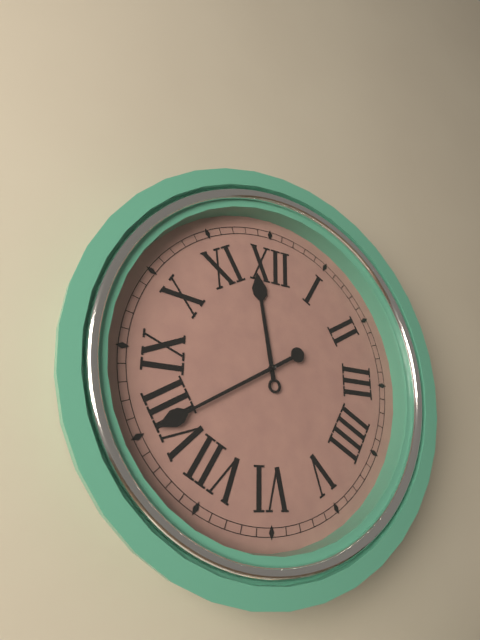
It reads {"hour": 11, "minute": 40}
